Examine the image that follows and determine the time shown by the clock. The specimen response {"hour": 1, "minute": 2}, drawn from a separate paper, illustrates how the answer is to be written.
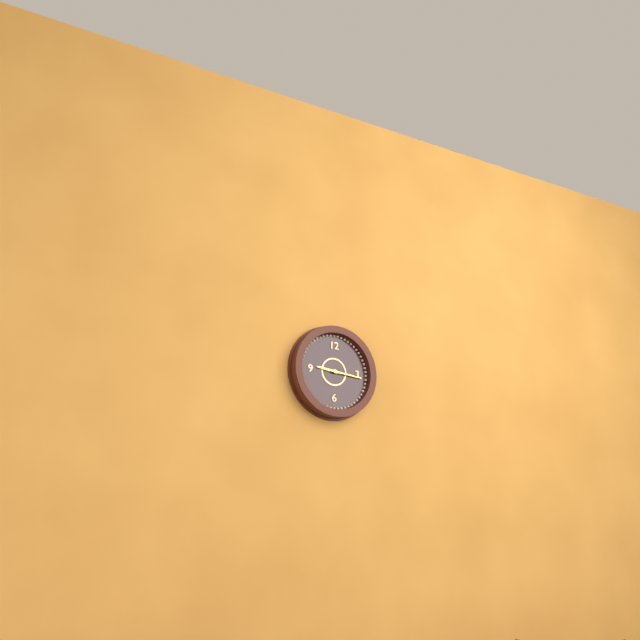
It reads {"hour": 9, "minute": 16}
